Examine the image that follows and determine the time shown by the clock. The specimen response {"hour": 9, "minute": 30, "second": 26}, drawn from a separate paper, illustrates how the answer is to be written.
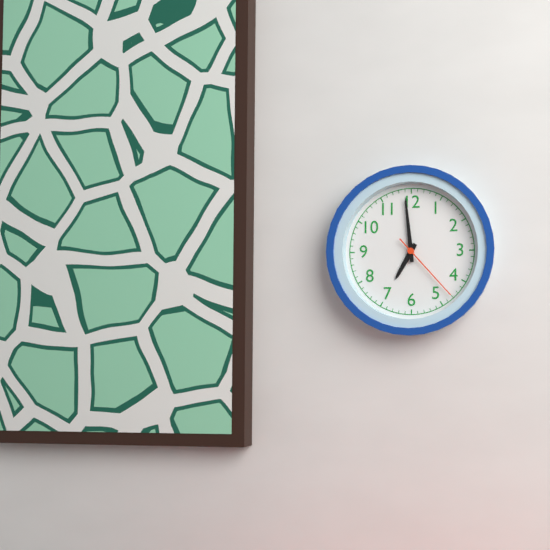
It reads {"hour": 6, "minute": 59, "second": 23}
